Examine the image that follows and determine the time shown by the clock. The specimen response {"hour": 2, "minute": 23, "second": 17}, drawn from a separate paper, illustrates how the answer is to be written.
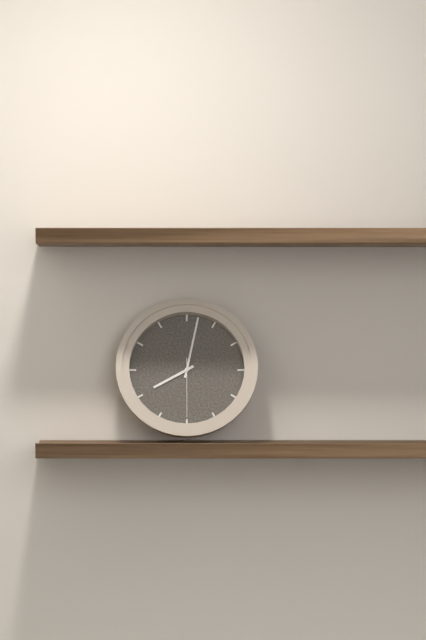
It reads {"hour": 8, "minute": 2, "second": 30}
